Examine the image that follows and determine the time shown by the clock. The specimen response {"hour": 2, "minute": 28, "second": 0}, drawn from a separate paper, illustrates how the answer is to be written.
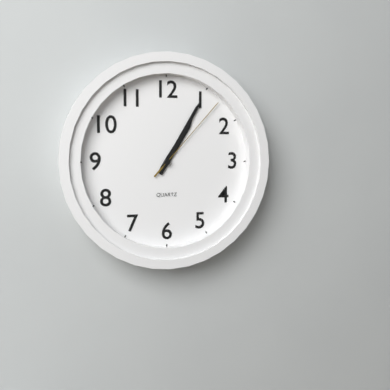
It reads {"hour": 1, "minute": 5, "second": 7}
